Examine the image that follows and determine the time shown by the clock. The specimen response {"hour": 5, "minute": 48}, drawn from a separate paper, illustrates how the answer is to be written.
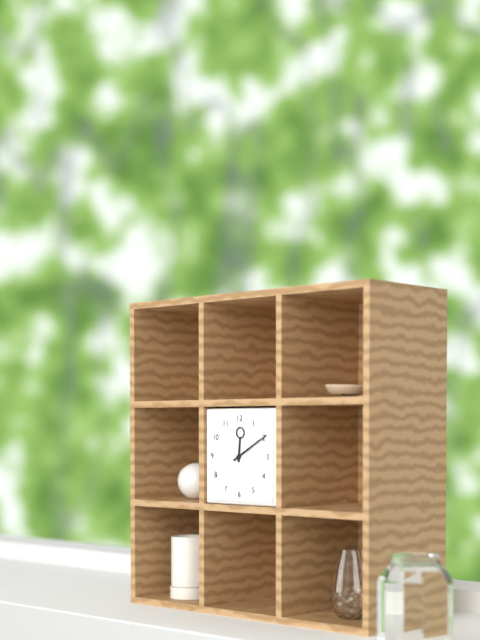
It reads {"hour": 12, "minute": 10}
